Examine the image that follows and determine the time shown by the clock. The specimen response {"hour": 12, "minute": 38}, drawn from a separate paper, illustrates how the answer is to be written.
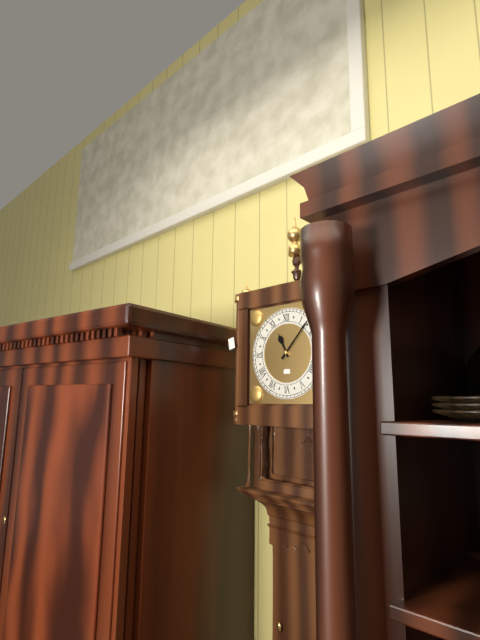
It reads {"hour": 11, "minute": 7}
